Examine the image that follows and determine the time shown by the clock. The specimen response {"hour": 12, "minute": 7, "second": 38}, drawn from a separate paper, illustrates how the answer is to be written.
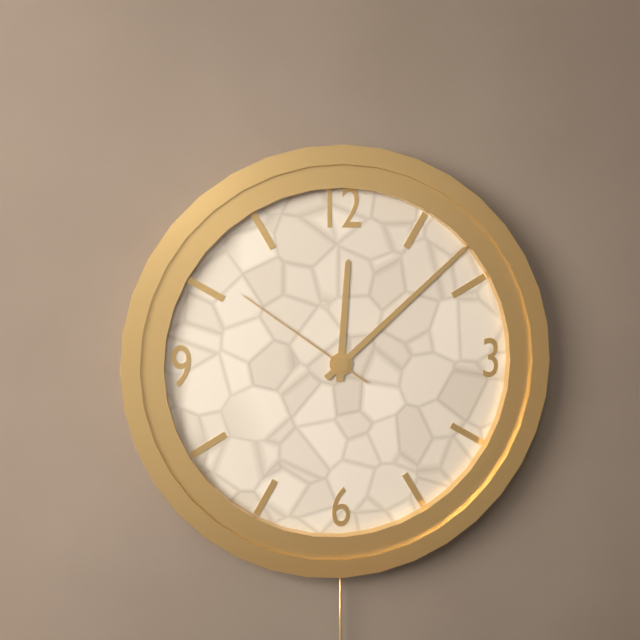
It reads {"hour": 12, "minute": 8, "second": 51}
